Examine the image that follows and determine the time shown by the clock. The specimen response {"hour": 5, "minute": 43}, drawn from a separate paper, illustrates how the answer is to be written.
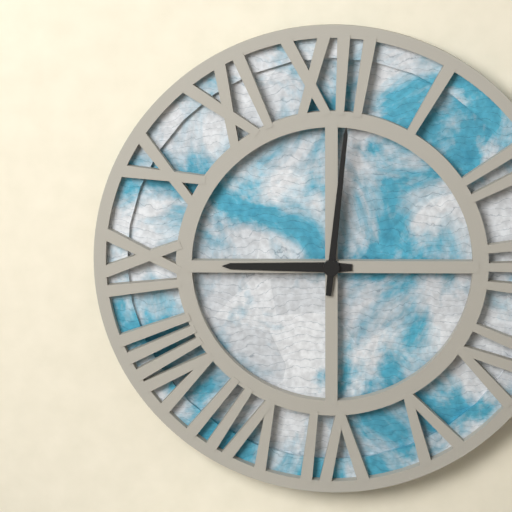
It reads {"hour": 9, "minute": 1}
